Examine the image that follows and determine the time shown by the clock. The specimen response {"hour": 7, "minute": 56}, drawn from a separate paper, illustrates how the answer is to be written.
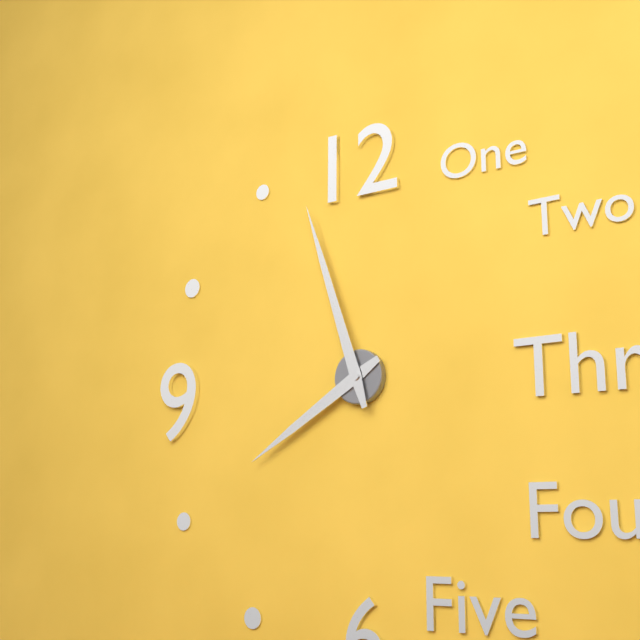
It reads {"hour": 7, "minute": 57}
